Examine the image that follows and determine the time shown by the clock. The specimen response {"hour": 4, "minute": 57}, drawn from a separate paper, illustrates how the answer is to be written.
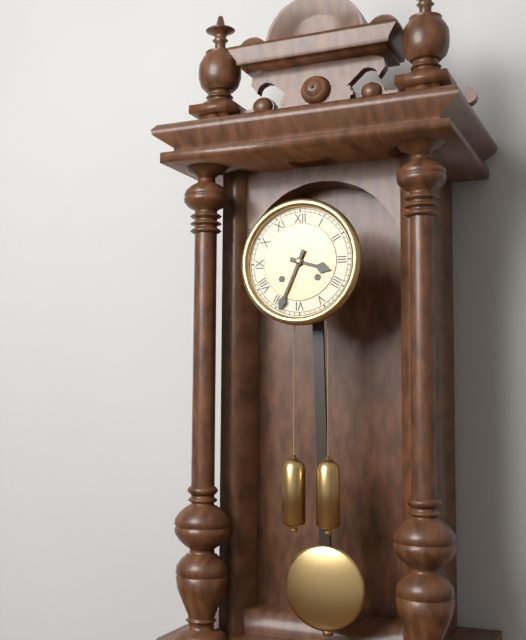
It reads {"hour": 3, "minute": 34}
